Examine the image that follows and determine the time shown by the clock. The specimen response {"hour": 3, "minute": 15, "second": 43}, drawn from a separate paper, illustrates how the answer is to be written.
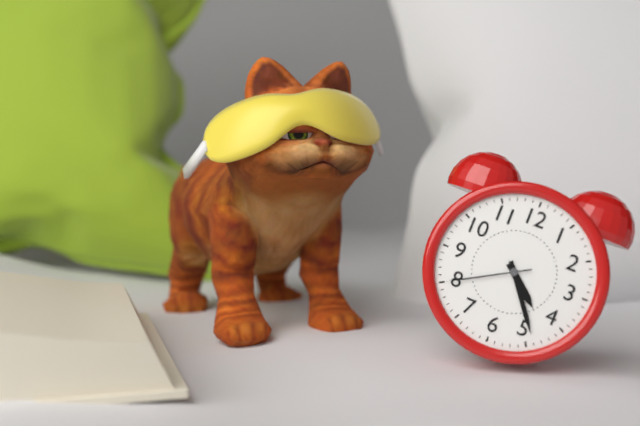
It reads {"hour": 4, "minute": 24, "second": 40}
